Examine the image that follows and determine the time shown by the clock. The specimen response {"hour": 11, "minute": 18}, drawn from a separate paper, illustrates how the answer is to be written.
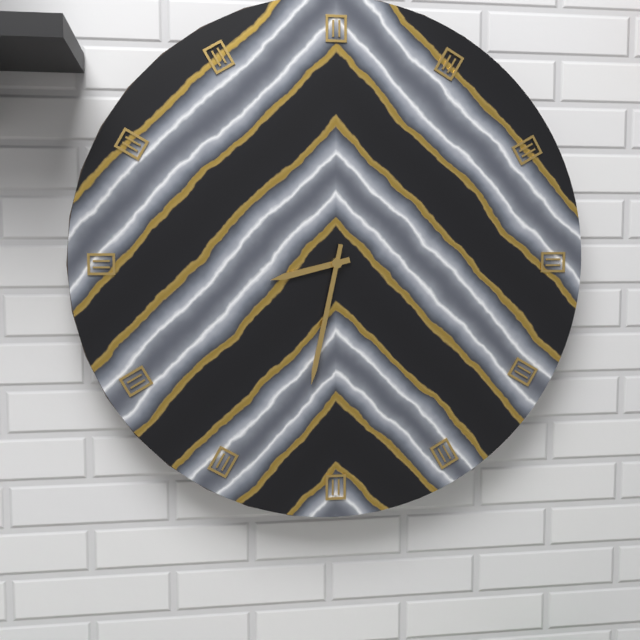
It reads {"hour": 8, "minute": 32}
